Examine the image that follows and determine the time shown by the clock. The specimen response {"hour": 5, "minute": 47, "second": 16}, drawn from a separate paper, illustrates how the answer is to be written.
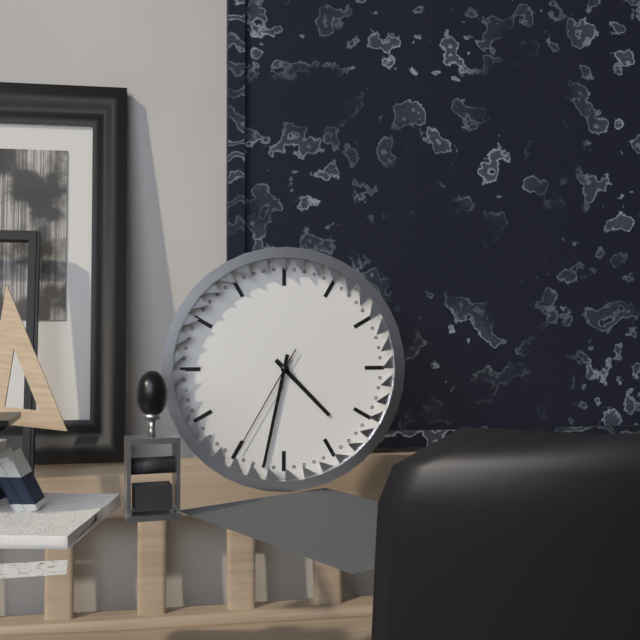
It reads {"hour": 4, "minute": 32, "second": 35}
